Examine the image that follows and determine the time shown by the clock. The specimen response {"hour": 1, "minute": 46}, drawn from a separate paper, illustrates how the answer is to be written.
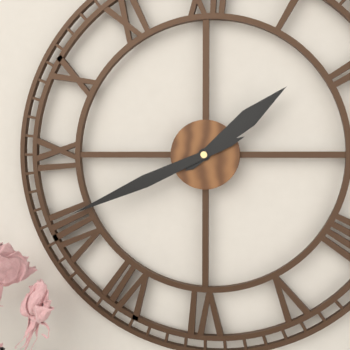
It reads {"hour": 1, "minute": 41}
